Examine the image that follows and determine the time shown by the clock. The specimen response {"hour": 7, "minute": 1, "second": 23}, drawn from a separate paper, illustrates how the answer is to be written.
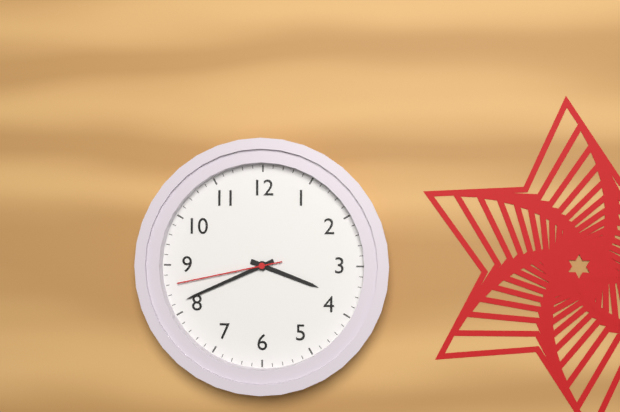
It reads {"hour": 3, "minute": 41, "second": 43}
